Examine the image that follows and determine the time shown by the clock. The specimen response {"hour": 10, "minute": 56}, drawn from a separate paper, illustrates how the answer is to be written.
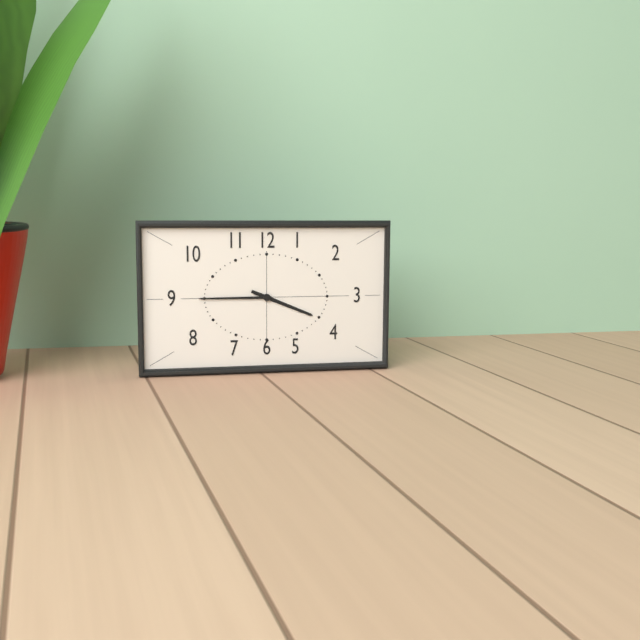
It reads {"hour": 3, "minute": 45}
